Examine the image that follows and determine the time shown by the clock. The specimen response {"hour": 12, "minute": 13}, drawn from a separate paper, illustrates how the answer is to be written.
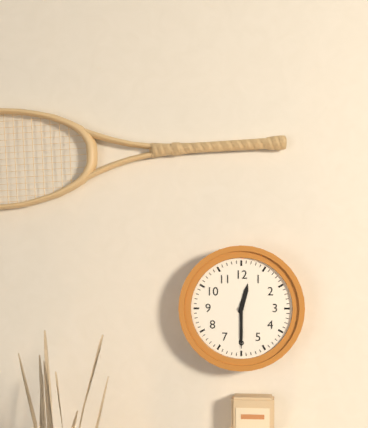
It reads {"hour": 12, "minute": 30}
